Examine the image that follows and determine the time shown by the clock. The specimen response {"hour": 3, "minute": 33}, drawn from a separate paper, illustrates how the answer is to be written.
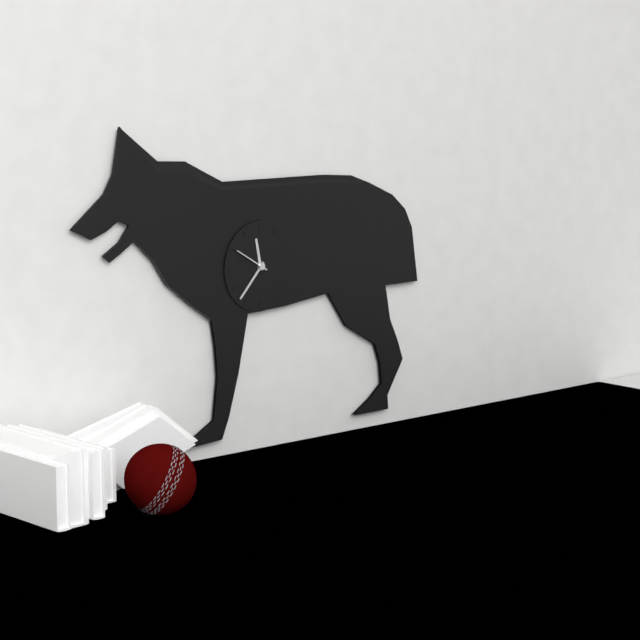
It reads {"hour": 11, "minute": 37}
